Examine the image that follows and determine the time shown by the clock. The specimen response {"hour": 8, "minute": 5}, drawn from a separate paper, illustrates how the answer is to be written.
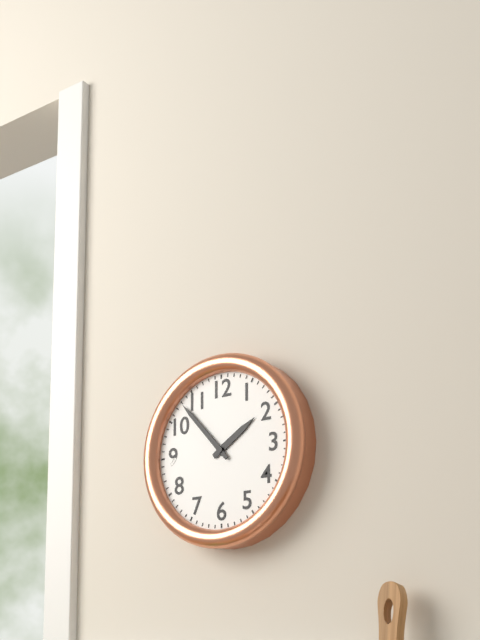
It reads {"hour": 1, "minute": 53}
